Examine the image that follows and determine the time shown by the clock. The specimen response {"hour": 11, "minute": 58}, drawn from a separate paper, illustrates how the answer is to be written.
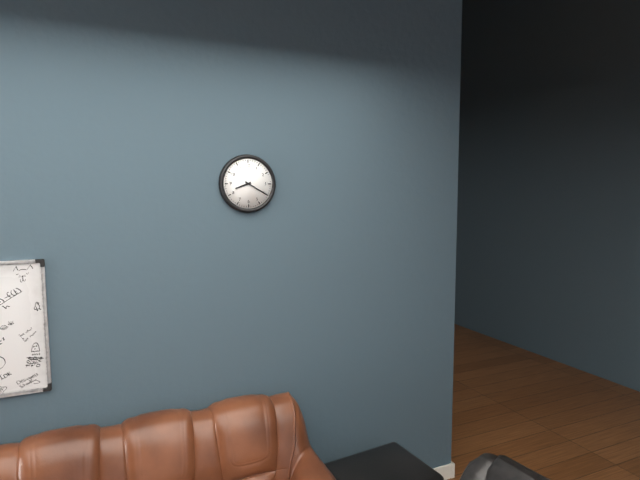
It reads {"hour": 8, "minute": 20}
